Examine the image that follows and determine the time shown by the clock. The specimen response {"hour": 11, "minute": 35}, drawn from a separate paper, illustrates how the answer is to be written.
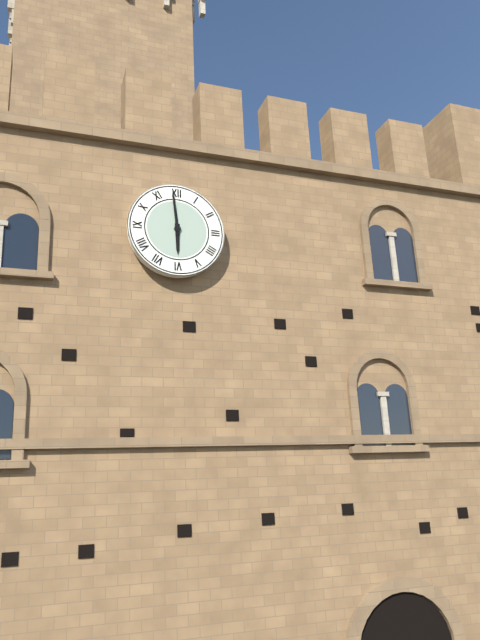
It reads {"hour": 5, "minute": 59}
